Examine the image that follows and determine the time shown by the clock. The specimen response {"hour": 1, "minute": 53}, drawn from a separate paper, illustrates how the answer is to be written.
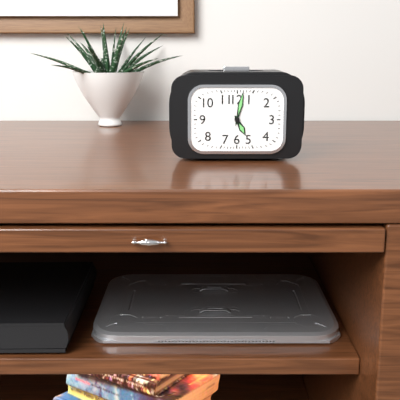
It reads {"hour": 5, "minute": 2}
